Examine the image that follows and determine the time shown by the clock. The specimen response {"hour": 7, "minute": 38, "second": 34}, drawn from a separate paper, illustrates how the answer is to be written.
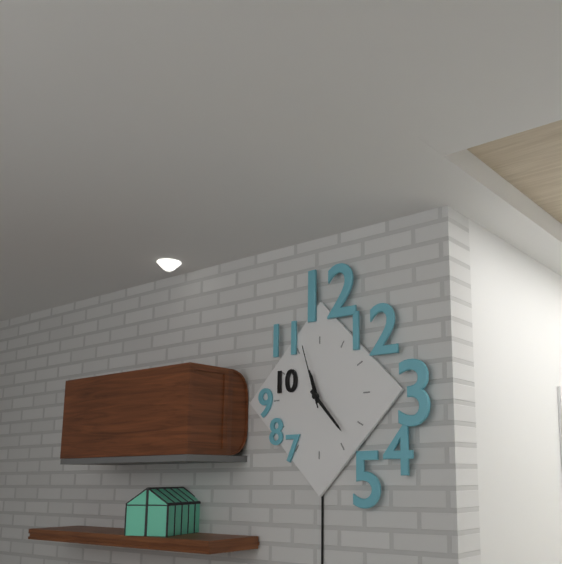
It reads {"hour": 11, "minute": 23, "second": 57}
